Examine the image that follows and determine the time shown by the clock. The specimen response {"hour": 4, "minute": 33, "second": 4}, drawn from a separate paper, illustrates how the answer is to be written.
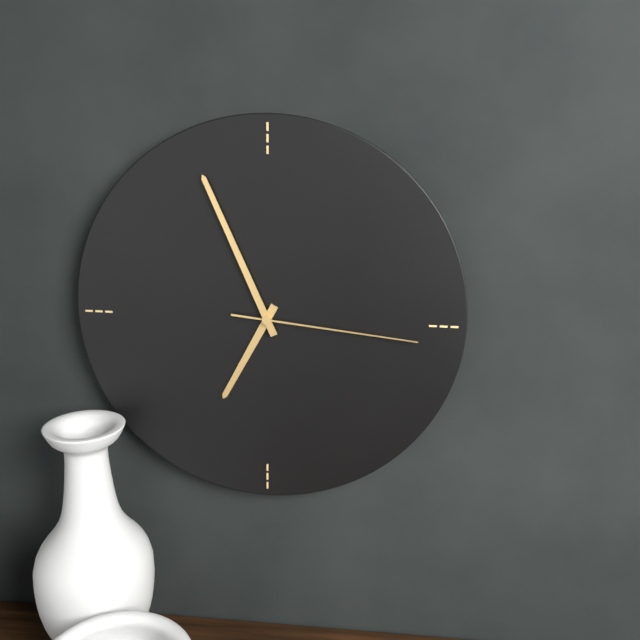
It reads {"hour": 6, "minute": 56, "second": 16}
